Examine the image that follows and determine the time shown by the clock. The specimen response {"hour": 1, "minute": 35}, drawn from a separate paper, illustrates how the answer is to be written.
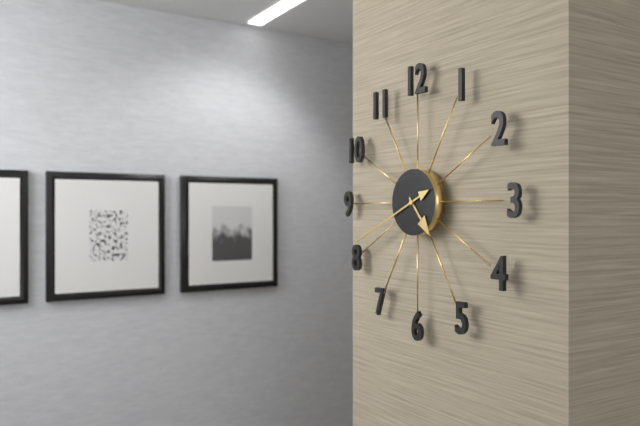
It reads {"hour": 4, "minute": 41}
